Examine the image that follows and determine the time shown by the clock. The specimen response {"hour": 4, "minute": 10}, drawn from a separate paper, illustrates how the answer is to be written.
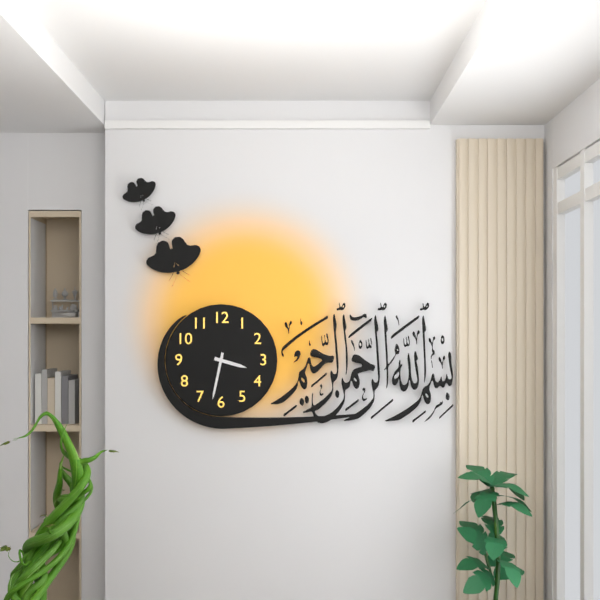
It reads {"hour": 3, "minute": 32}
